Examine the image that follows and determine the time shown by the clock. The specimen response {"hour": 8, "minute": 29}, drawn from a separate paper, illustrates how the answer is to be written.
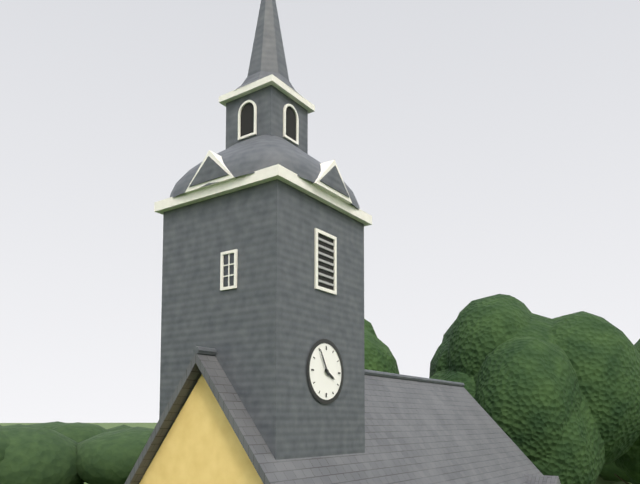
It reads {"hour": 3, "minute": 55}
